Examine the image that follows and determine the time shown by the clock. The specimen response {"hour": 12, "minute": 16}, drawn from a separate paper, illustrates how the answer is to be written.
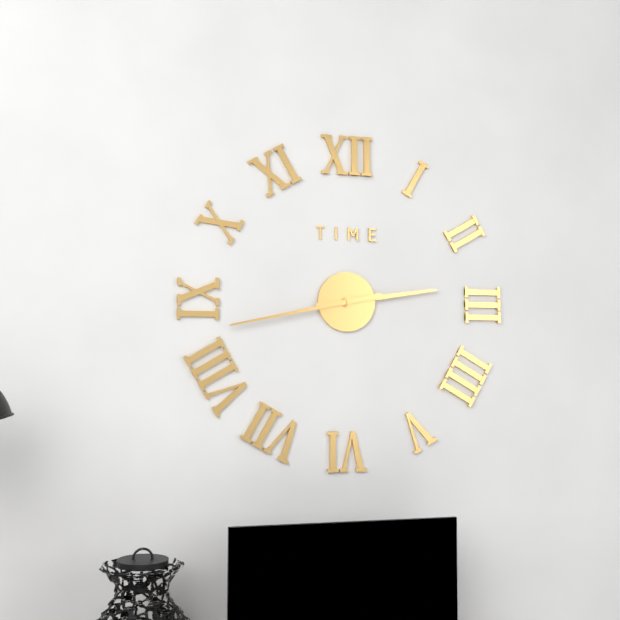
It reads {"hour": 2, "minute": 43}
